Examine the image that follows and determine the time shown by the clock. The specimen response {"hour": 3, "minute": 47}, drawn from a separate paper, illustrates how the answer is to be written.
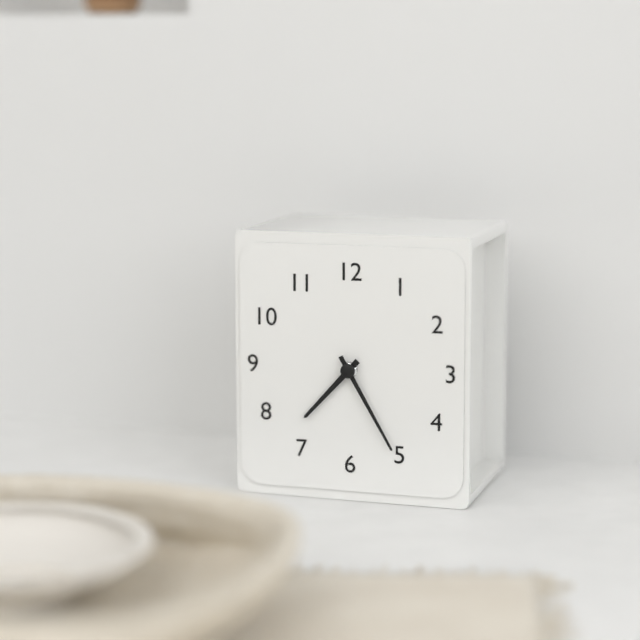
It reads {"hour": 7, "minute": 25}
